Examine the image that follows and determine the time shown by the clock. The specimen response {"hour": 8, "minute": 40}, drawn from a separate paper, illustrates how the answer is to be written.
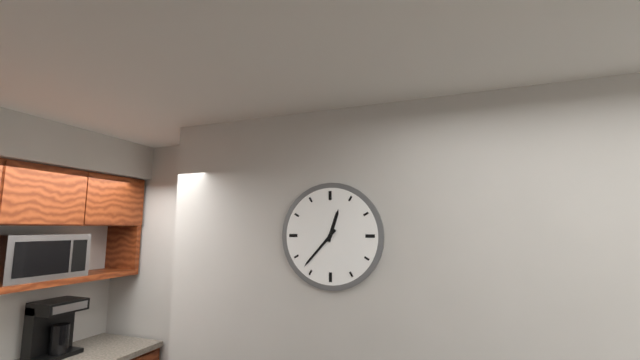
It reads {"hour": 12, "minute": 37}
